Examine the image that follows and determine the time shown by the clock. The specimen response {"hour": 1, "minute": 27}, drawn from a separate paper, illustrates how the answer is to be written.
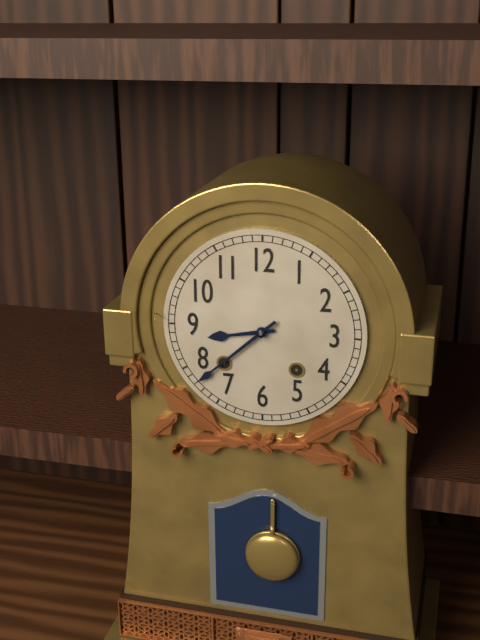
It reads {"hour": 8, "minute": 38}
